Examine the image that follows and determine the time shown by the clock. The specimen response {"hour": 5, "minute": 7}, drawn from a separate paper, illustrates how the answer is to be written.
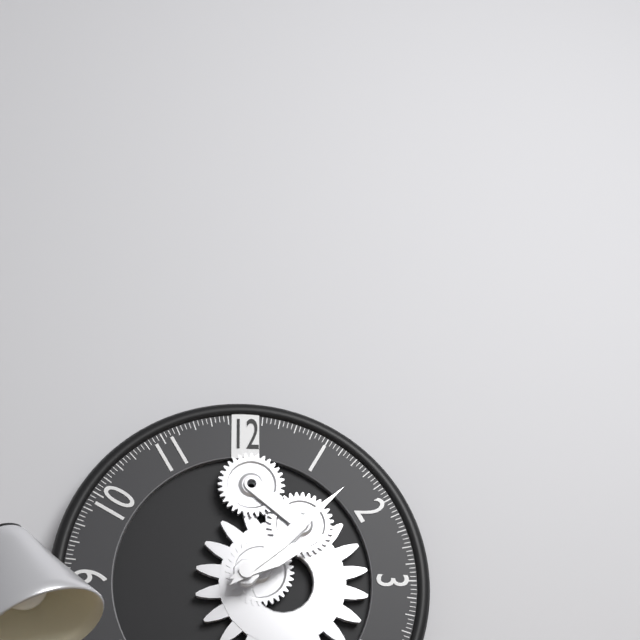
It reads {"hour": 2, "minute": 8}
